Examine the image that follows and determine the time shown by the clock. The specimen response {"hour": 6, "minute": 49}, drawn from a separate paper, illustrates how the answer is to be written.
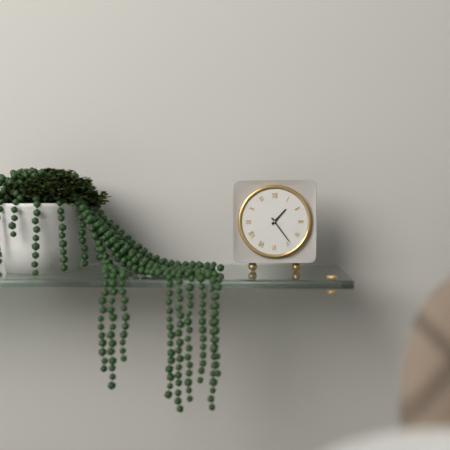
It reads {"hour": 1, "minute": 24}
